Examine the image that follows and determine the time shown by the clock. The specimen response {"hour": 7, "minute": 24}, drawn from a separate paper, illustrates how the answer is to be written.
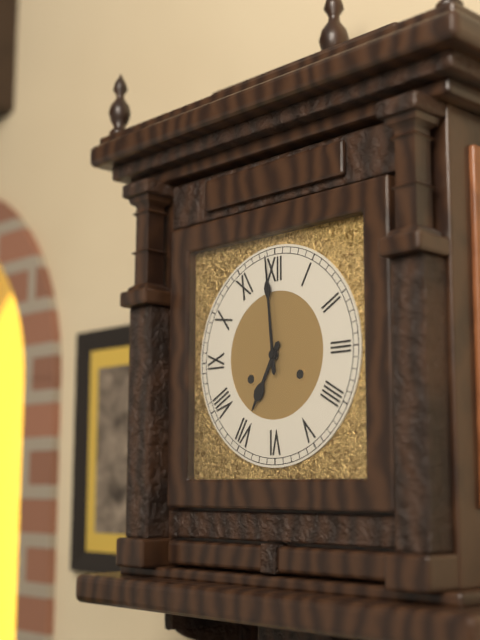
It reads {"hour": 6, "minute": 59}
